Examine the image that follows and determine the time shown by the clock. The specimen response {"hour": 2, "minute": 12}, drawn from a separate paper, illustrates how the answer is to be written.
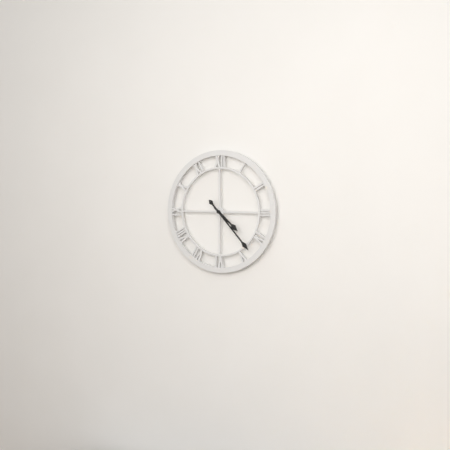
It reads {"hour": 4, "minute": 23}
